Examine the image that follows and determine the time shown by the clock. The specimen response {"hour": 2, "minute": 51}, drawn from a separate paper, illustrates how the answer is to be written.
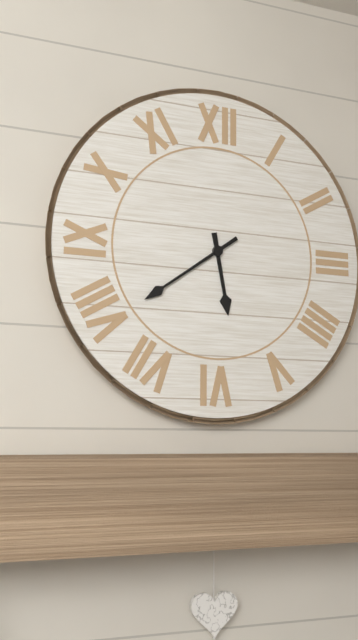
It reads {"hour": 5, "minute": 39}
